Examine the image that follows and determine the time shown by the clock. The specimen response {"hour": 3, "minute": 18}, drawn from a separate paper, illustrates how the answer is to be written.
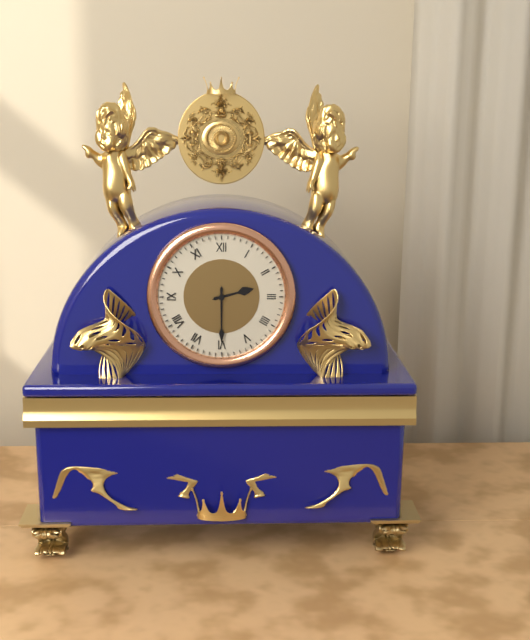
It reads {"hour": 2, "minute": 30}
